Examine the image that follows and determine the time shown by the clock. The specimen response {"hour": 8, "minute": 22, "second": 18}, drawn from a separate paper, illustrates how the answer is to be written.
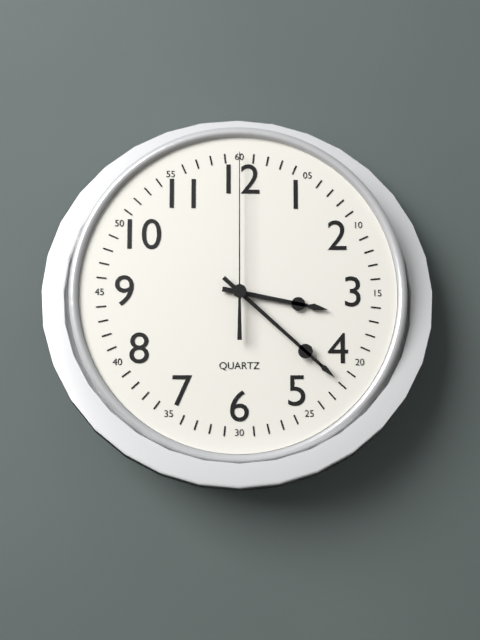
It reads {"hour": 3, "minute": 22, "second": 0}
